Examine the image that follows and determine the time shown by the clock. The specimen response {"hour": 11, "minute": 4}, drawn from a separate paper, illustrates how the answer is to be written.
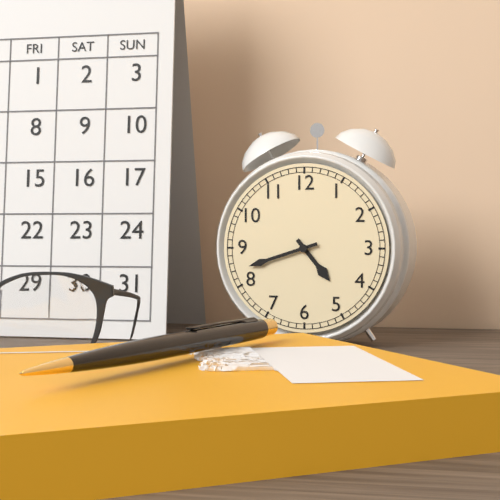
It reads {"hour": 4, "minute": 42}
